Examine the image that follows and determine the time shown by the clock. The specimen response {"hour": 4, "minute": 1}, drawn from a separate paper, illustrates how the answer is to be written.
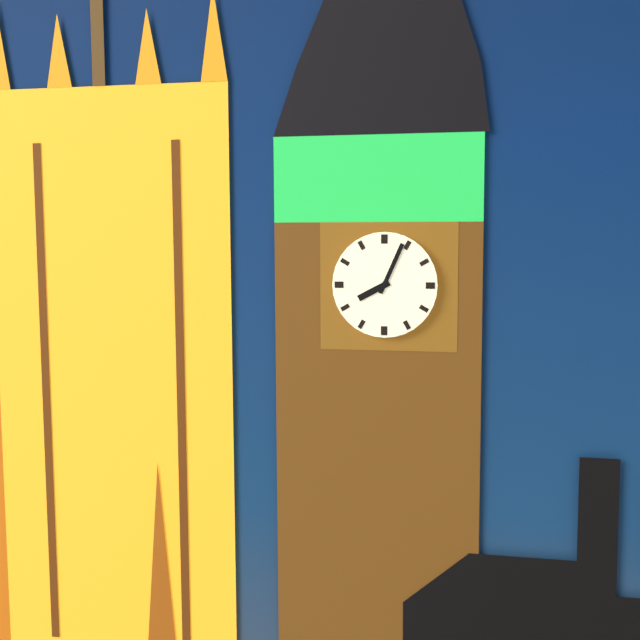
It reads {"hour": 8, "minute": 4}
